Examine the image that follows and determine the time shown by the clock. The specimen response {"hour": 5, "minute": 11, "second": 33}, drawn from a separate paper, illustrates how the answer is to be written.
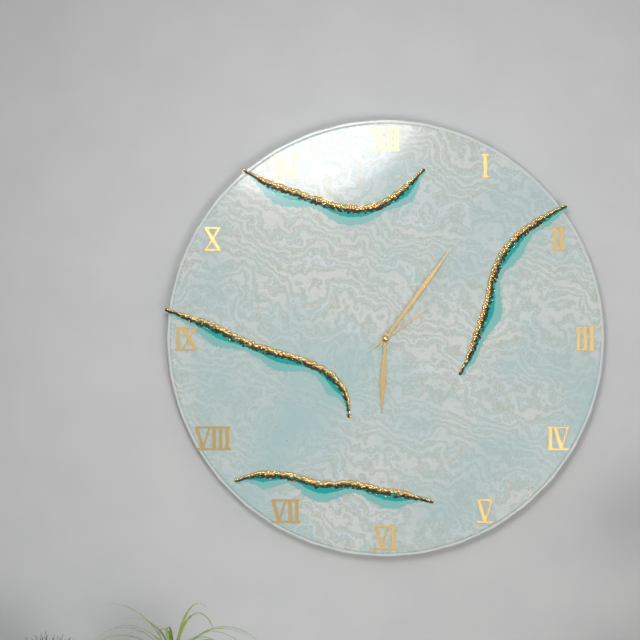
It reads {"hour": 6, "minute": 6, "second": 9}
